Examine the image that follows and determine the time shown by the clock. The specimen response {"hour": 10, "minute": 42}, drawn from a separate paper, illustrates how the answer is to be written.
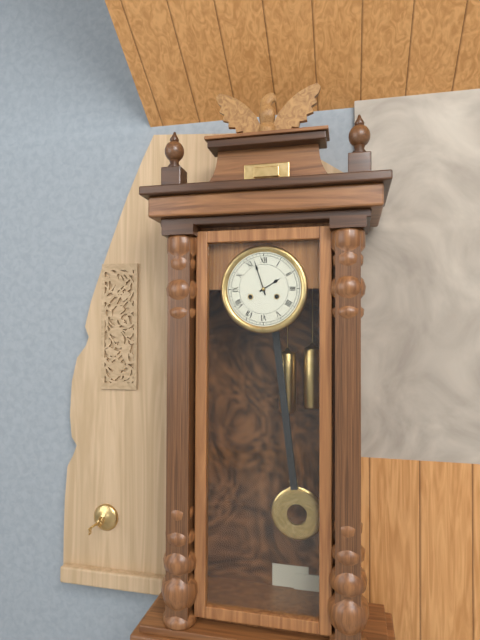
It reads {"hour": 1, "minute": 57}
